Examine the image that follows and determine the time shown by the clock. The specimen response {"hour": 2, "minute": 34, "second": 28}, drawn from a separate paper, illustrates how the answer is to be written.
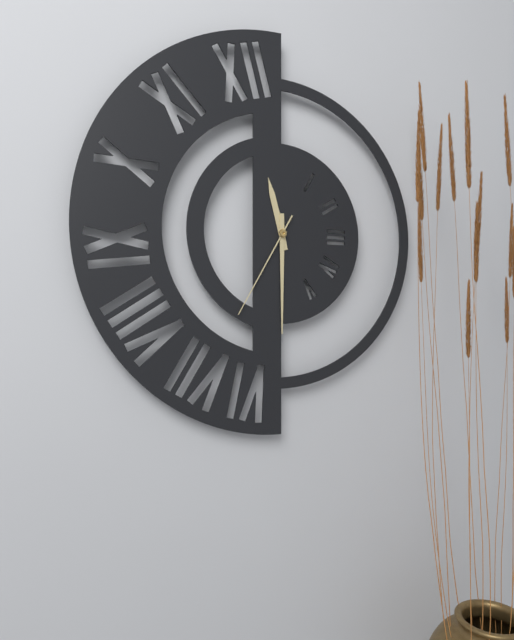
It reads {"hour": 11, "minute": 30, "second": 35}
